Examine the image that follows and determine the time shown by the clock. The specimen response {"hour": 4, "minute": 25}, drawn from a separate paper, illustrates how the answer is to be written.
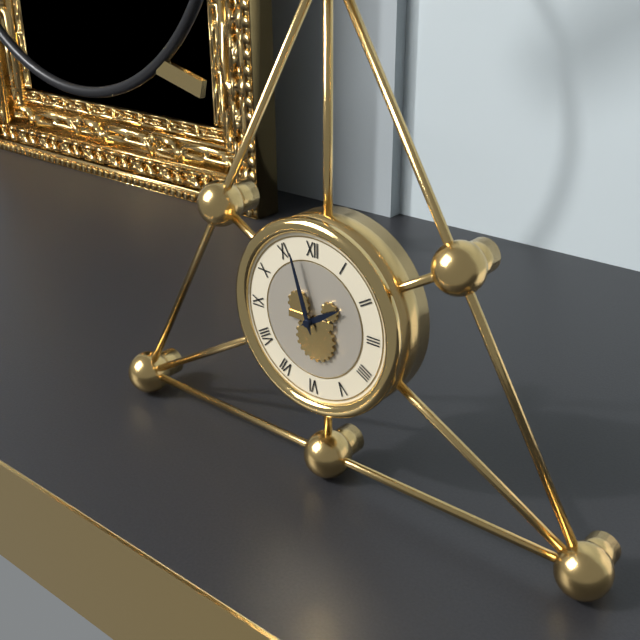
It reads {"hour": 1, "minute": 57}
